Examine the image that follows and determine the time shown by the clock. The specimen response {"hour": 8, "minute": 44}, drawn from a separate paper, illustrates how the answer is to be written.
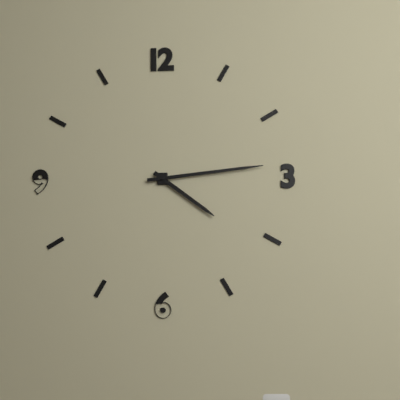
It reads {"hour": 4, "minute": 14}
